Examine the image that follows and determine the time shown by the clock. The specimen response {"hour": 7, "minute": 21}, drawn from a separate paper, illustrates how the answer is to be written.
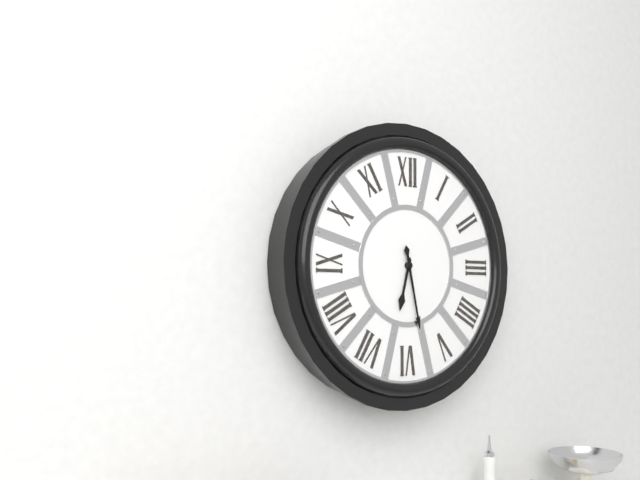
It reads {"hour": 6, "minute": 28}
